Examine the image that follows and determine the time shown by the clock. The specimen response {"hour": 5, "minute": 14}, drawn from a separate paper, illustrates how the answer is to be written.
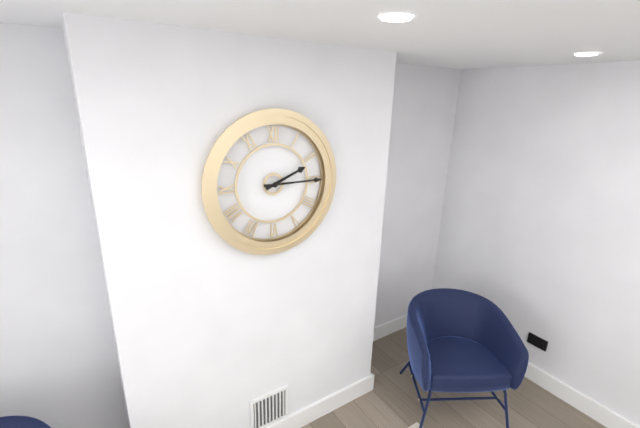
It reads {"hour": 2, "minute": 15}
